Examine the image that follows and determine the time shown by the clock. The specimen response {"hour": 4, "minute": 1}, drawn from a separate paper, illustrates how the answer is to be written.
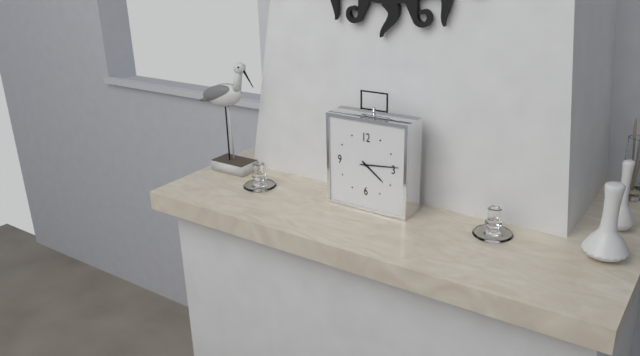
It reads {"hour": 4, "minute": 14}
